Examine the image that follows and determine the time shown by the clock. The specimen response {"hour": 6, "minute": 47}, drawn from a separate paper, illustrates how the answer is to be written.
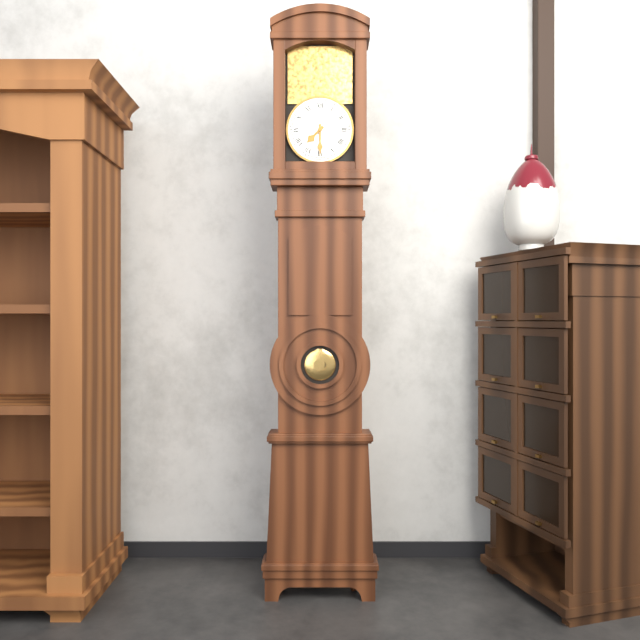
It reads {"hour": 7, "minute": 30}
